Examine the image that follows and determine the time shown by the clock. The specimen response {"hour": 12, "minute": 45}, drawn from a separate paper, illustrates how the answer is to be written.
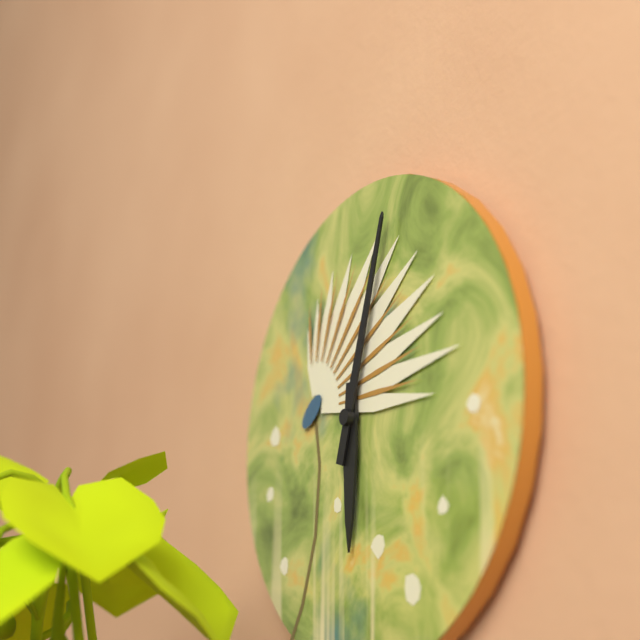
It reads {"hour": 6, "minute": 3}
